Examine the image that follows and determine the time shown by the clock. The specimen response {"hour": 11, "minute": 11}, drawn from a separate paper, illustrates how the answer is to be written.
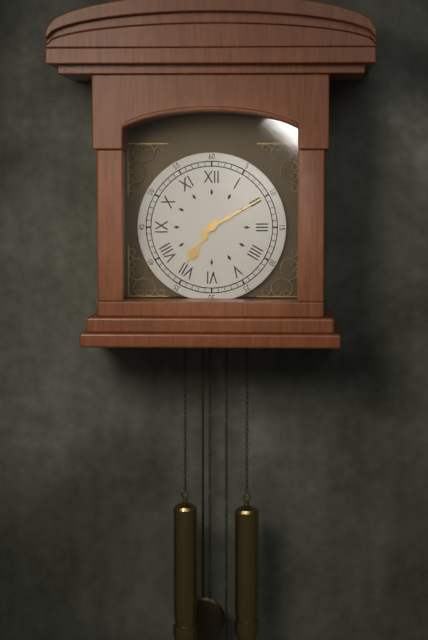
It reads {"hour": 7, "minute": 10}
